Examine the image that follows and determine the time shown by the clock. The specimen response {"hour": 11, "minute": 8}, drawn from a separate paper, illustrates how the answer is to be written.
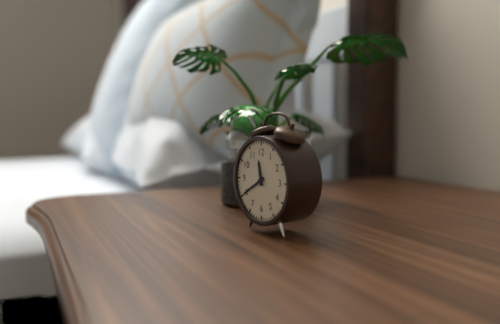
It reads {"hour": 11, "minute": 40}
